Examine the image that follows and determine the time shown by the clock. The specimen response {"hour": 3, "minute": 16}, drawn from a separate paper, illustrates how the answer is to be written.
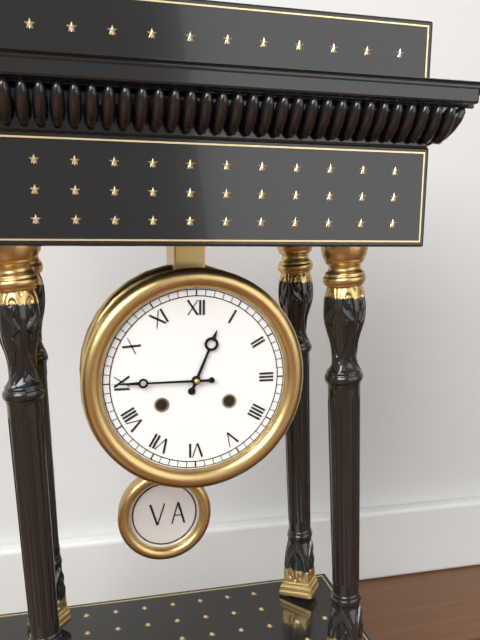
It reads {"hour": 12, "minute": 45}
